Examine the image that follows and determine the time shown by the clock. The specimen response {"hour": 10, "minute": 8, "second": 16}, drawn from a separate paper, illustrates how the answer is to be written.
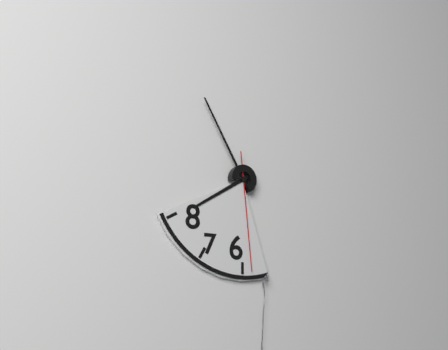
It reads {"hour": 7, "minute": 55, "second": 29}
